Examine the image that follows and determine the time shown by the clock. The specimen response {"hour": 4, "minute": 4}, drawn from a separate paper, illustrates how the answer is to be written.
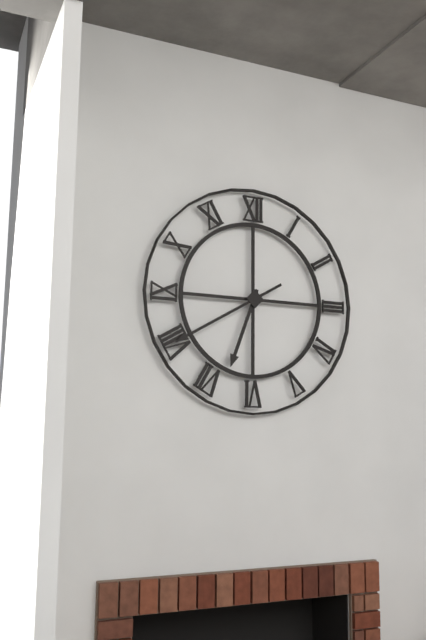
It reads {"hour": 6, "minute": 40}
